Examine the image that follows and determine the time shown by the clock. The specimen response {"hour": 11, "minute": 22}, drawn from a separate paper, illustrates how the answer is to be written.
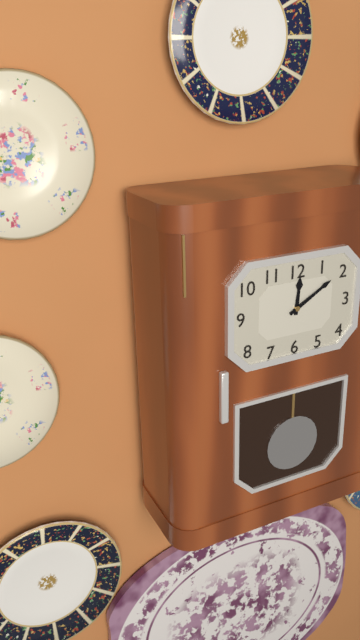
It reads {"hour": 12, "minute": 10}
